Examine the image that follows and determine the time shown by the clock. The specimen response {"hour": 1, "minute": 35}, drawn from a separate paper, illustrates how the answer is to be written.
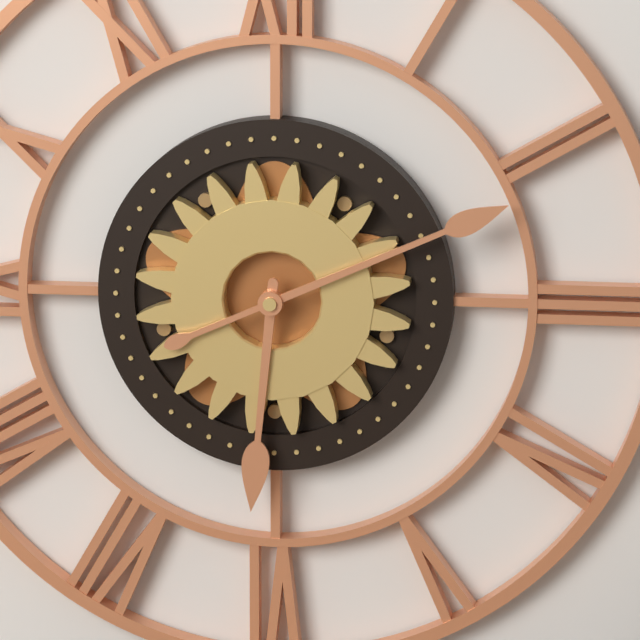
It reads {"hour": 6, "minute": 11}
